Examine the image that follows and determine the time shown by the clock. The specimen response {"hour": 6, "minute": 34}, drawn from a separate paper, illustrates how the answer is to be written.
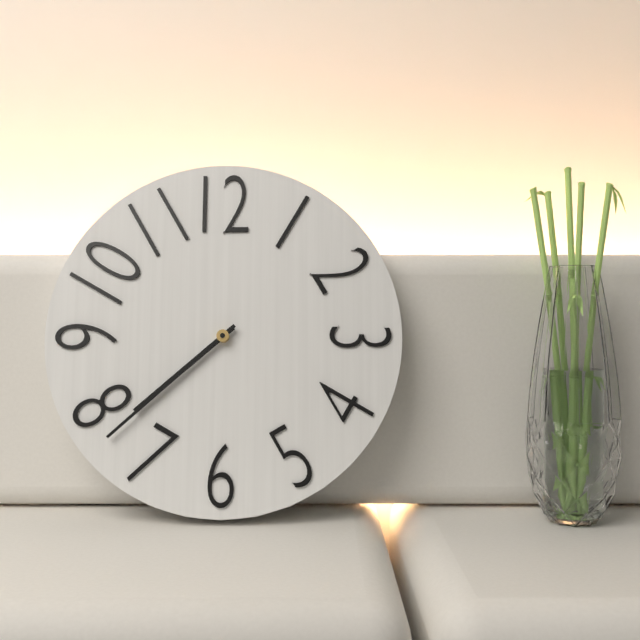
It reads {"hour": 7, "minute": 38}
